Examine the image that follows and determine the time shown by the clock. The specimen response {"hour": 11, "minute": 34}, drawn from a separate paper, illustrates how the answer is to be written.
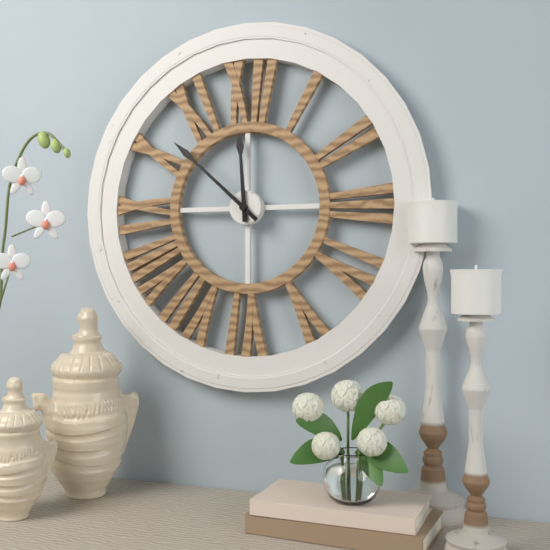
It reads {"hour": 11, "minute": 52}
